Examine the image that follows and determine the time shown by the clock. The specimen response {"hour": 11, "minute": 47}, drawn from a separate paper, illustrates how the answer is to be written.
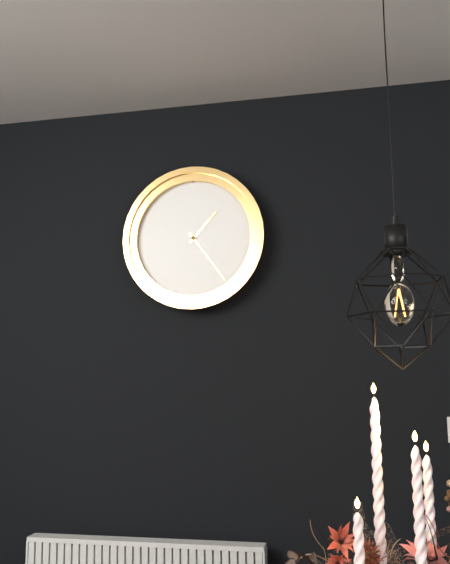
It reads {"hour": 1, "minute": 24}
